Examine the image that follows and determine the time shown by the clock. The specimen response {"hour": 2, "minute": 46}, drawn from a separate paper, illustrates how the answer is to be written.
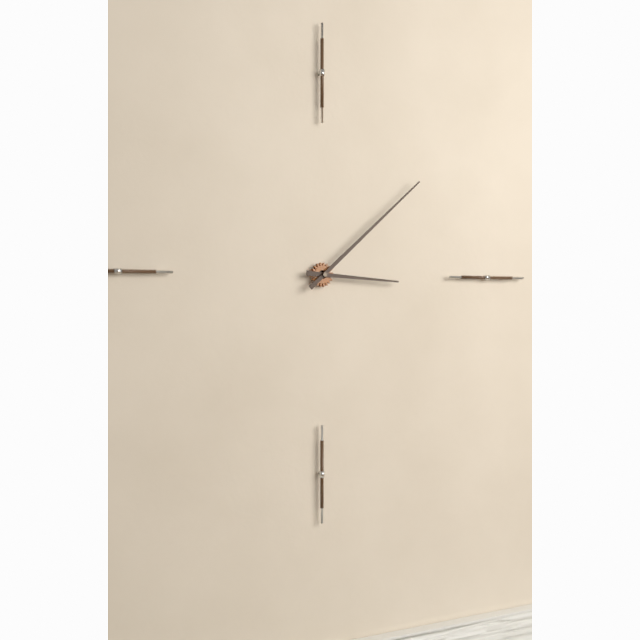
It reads {"hour": 3, "minute": 8}
